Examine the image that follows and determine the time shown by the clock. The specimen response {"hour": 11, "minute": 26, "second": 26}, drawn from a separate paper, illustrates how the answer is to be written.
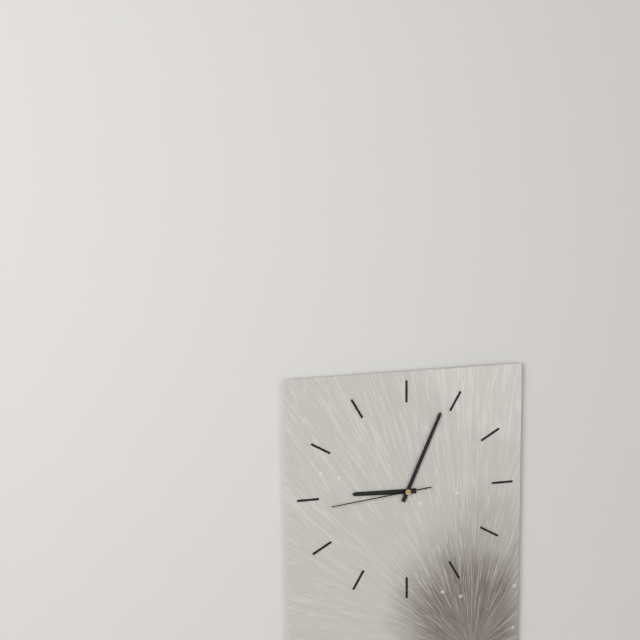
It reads {"hour": 9, "minute": 4, "second": 44}
